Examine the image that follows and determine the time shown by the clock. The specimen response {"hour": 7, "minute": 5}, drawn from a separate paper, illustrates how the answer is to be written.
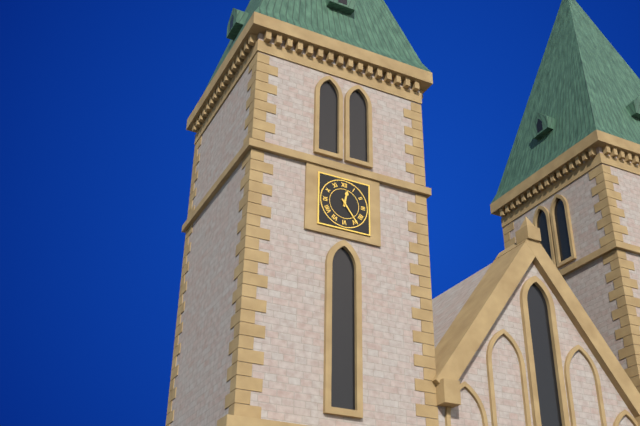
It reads {"hour": 12, "minute": 24}
